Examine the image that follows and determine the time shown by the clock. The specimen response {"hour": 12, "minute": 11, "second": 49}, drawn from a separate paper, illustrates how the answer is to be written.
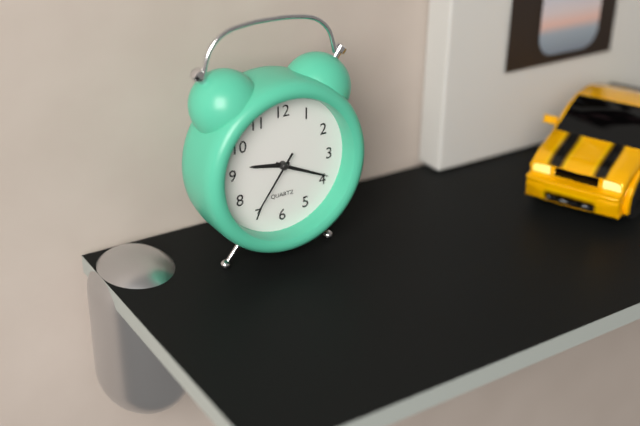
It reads {"hour": 9, "minute": 19, "second": 36}
